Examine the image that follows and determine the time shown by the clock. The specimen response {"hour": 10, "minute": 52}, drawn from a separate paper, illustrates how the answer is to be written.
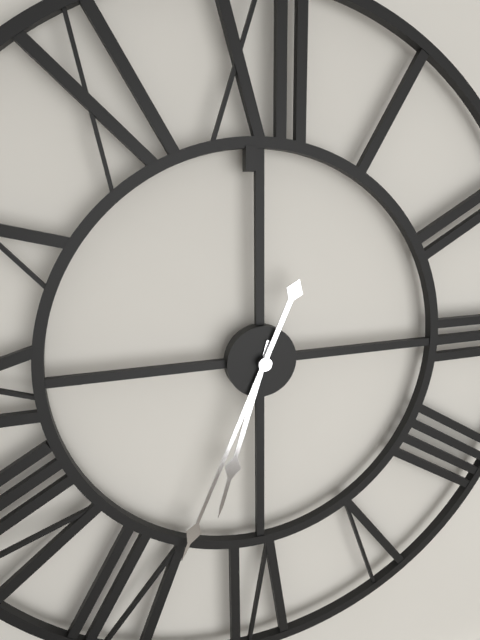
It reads {"hour": 6, "minute": 34}
